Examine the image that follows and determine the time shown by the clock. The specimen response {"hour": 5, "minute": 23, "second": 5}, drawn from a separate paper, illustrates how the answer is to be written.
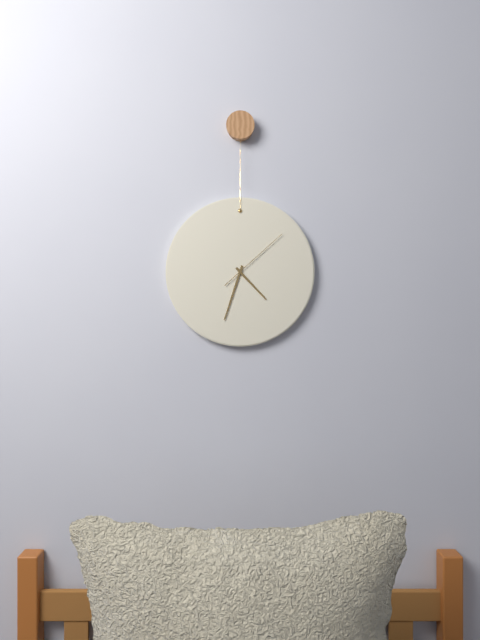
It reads {"hour": 4, "minute": 33, "second": 8}
